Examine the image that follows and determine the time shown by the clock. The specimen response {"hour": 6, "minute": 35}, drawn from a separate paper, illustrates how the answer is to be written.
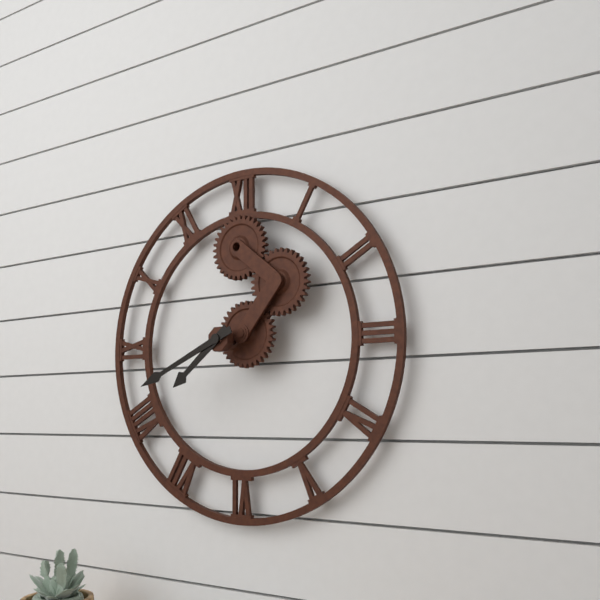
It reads {"hour": 7, "minute": 41}
